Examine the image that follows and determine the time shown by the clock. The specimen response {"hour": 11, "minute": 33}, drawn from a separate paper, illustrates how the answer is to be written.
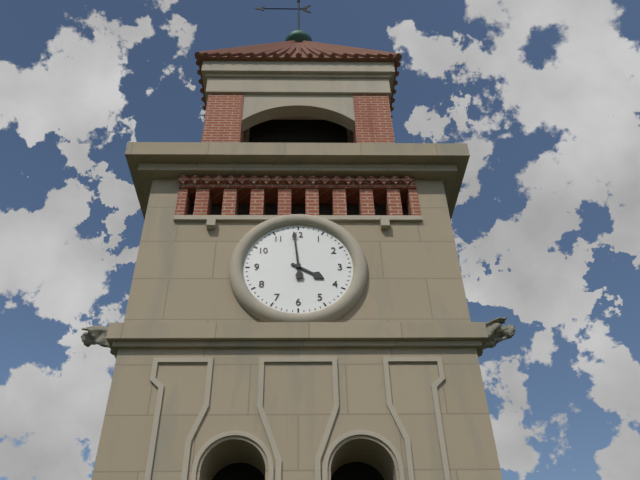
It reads {"hour": 3, "minute": 59}
